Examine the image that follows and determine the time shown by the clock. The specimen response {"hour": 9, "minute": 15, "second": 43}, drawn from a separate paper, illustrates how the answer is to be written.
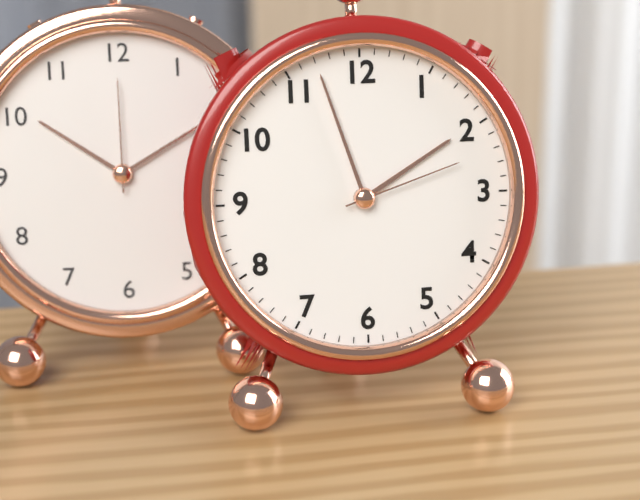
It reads {"hour": 1, "minute": 57, "second": 12}
